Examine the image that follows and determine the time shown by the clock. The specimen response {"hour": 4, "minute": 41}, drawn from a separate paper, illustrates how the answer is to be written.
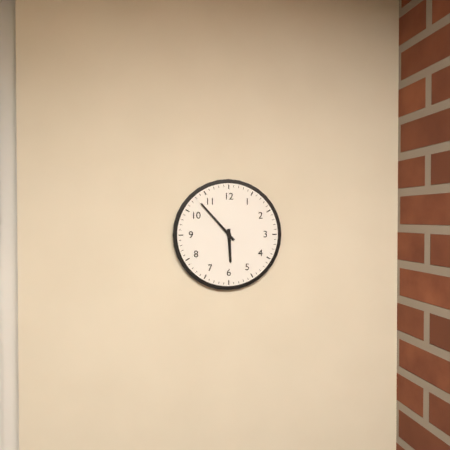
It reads {"hour": 5, "minute": 53}
